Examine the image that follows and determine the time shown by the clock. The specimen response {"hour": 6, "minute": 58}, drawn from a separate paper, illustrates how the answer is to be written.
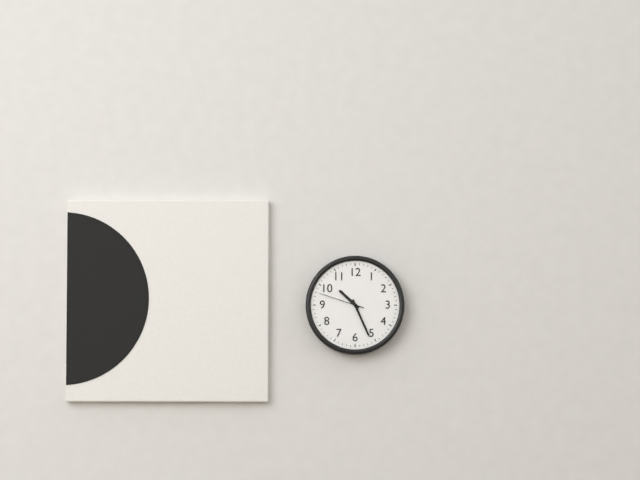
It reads {"hour": 10, "minute": 26}
